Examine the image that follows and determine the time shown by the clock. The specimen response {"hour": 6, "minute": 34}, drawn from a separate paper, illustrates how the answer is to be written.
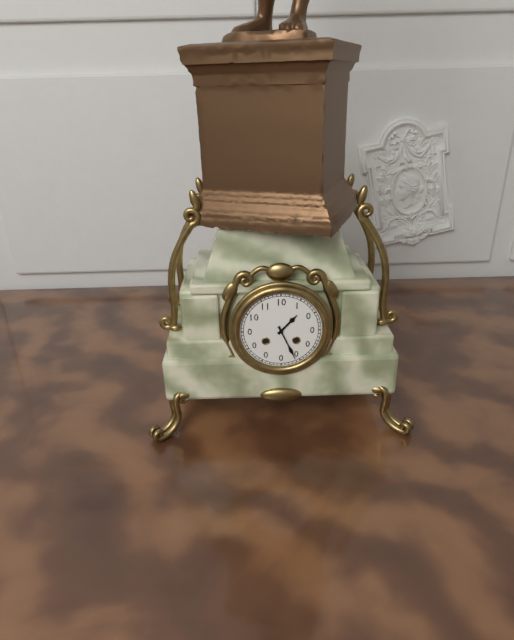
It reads {"hour": 1, "minute": 26}
